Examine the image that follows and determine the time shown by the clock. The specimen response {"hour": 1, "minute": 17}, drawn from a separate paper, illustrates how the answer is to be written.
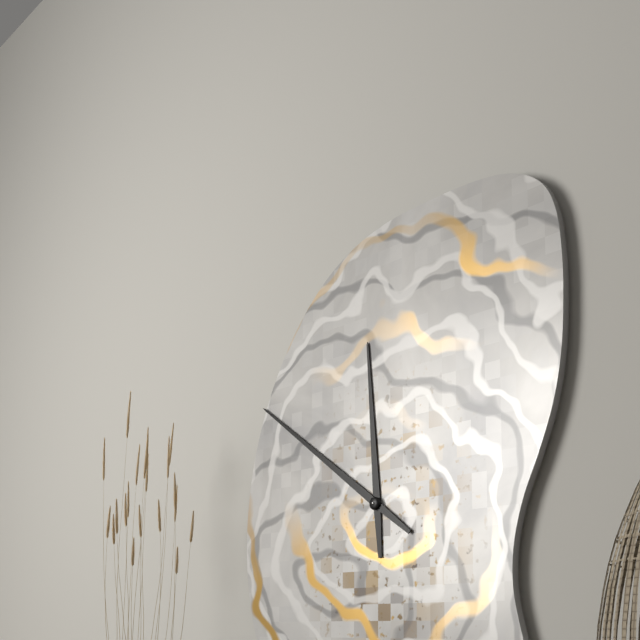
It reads {"hour": 11, "minute": 51}
